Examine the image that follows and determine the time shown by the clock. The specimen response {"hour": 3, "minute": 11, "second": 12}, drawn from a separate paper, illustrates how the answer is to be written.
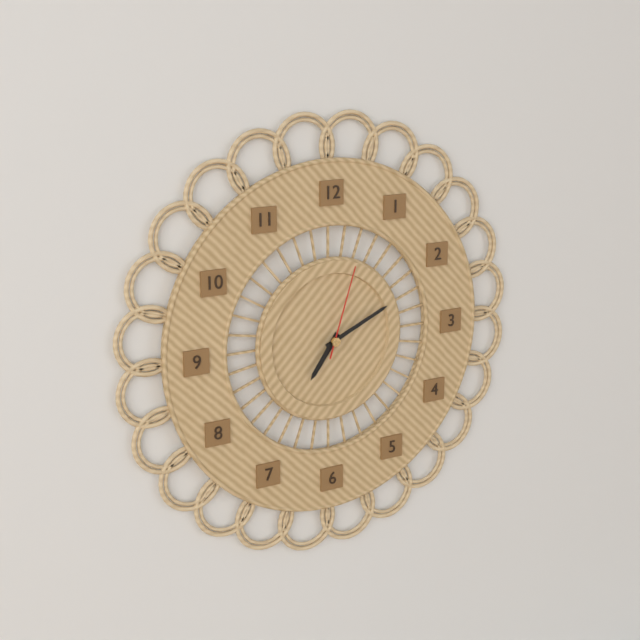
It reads {"hour": 7, "minute": 11, "second": 3}
